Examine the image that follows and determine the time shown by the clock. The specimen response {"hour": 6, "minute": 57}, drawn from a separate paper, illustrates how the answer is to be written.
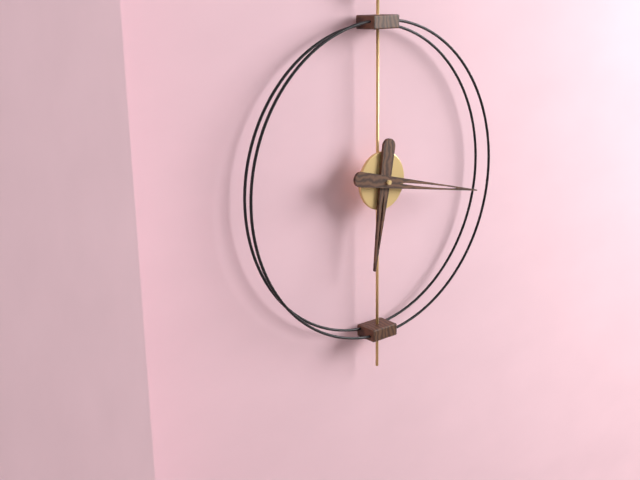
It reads {"hour": 6, "minute": 17}
